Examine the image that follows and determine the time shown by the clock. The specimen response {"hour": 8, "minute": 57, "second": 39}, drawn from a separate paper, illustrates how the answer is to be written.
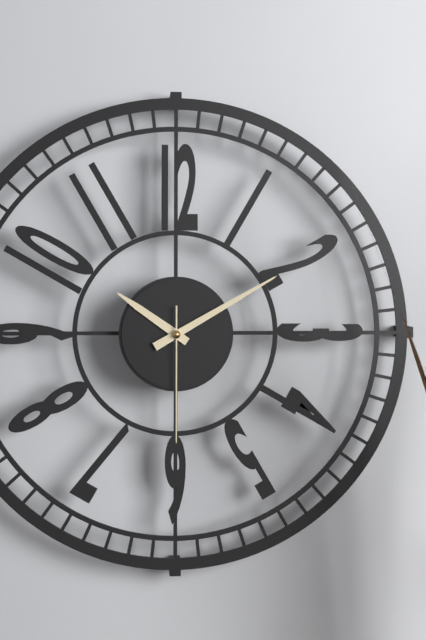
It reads {"hour": 10, "minute": 10, "second": 30}
